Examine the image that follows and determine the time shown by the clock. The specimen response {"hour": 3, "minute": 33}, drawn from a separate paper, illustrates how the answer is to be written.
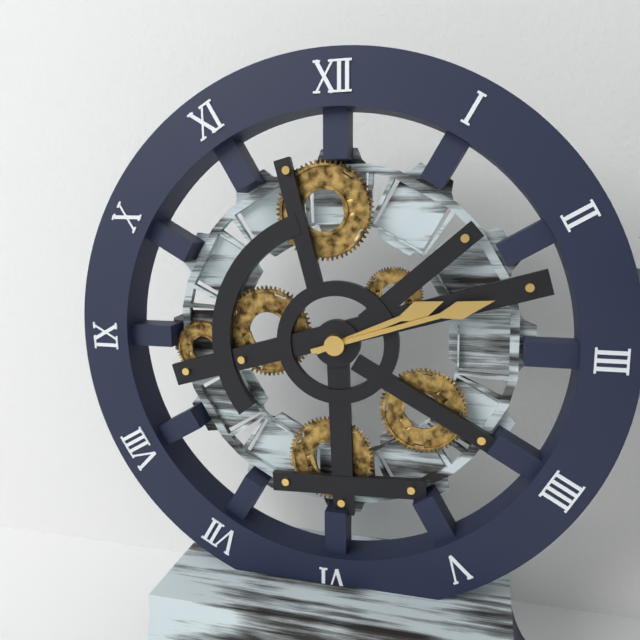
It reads {"hour": 2, "minute": 12}
